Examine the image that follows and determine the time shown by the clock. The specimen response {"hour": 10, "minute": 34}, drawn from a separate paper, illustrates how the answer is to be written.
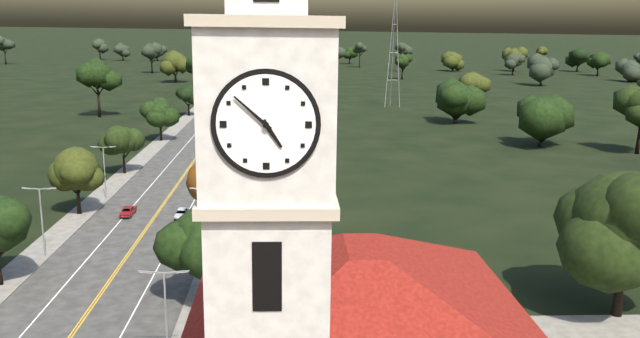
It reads {"hour": 4, "minute": 52}
